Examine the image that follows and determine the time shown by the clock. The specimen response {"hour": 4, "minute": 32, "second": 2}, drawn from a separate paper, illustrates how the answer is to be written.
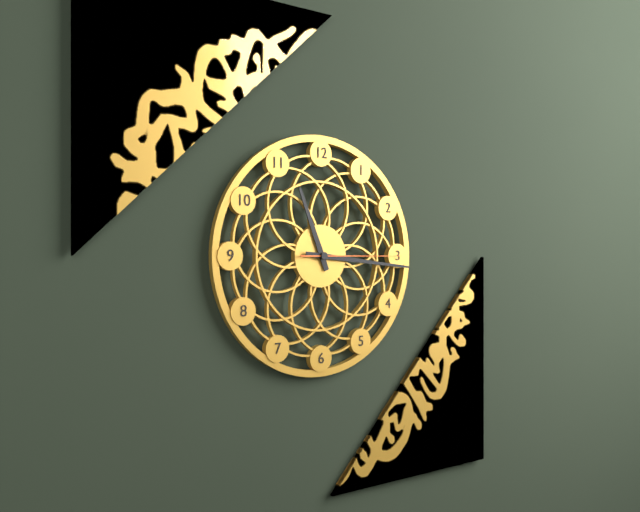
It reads {"hour": 11, "minute": 16, "second": 15}
